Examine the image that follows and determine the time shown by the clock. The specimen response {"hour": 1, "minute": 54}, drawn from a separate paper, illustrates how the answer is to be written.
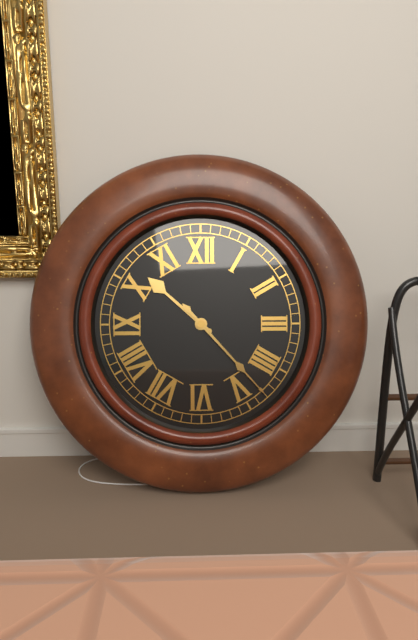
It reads {"hour": 10, "minute": 23}
